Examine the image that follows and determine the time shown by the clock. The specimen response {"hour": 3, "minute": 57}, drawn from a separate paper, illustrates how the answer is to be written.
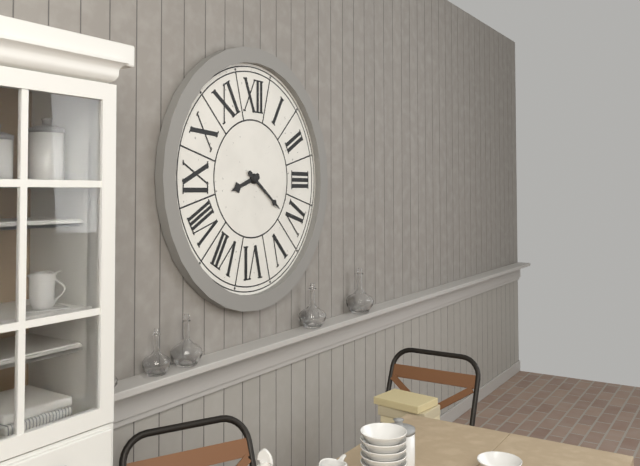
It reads {"hour": 8, "minute": 21}
